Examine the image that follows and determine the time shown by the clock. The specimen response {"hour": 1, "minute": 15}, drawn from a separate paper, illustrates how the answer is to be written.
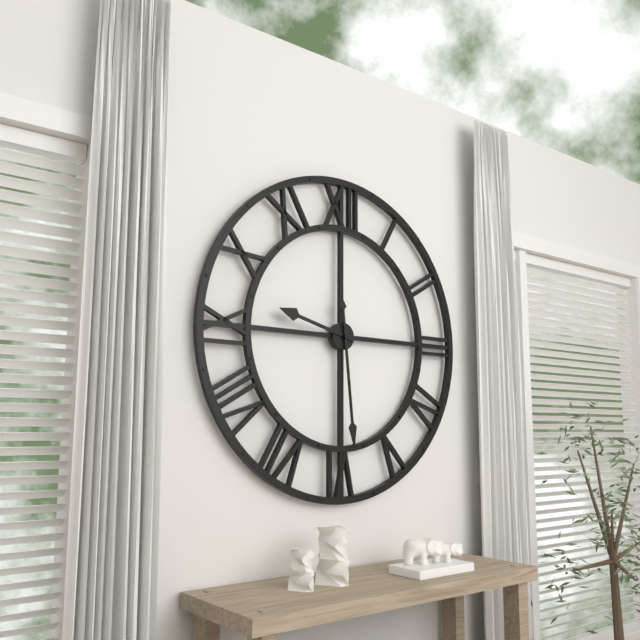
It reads {"hour": 9, "minute": 29}
